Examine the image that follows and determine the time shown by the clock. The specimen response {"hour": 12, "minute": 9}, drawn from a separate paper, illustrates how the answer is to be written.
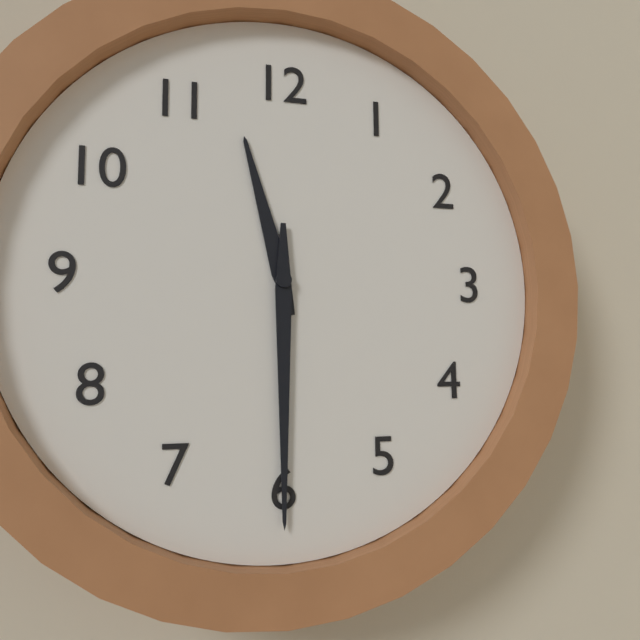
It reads {"hour": 11, "minute": 30}
